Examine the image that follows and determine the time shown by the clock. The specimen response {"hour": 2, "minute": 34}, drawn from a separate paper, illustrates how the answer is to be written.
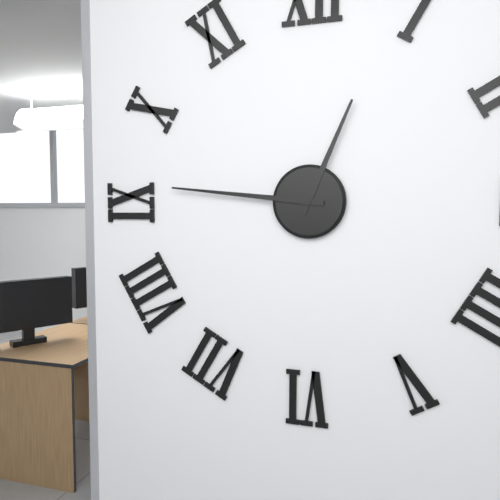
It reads {"hour": 12, "minute": 46}
